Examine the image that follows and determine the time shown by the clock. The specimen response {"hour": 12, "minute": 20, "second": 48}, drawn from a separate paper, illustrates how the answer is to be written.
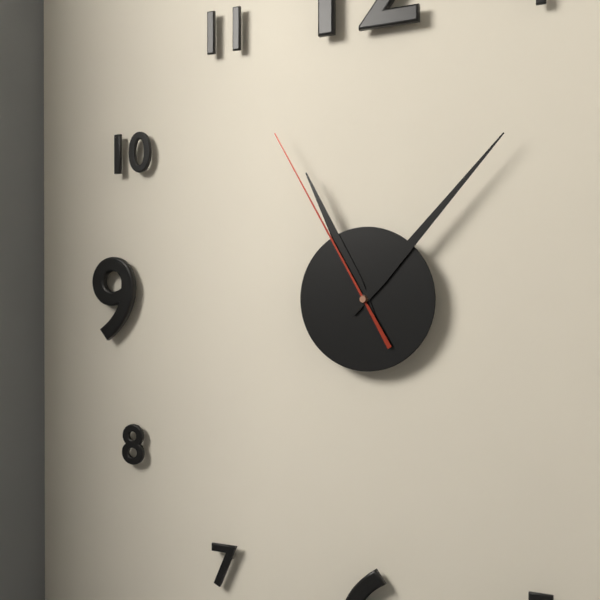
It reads {"hour": 11, "minute": 7, "second": 55}
